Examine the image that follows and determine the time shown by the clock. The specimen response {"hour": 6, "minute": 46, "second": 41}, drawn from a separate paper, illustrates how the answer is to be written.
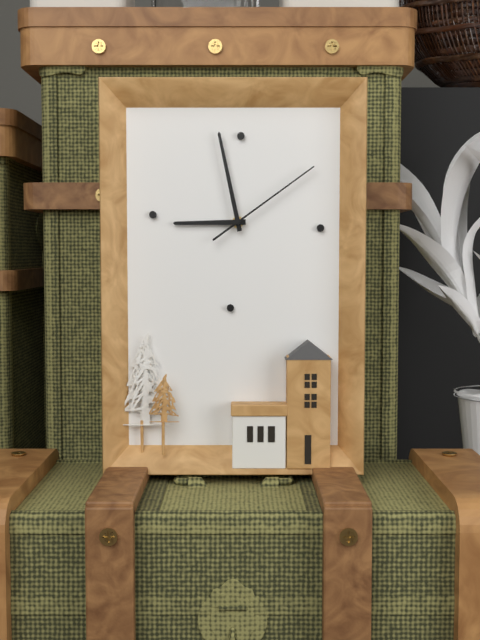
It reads {"hour": 8, "minute": 58, "second": 9}
